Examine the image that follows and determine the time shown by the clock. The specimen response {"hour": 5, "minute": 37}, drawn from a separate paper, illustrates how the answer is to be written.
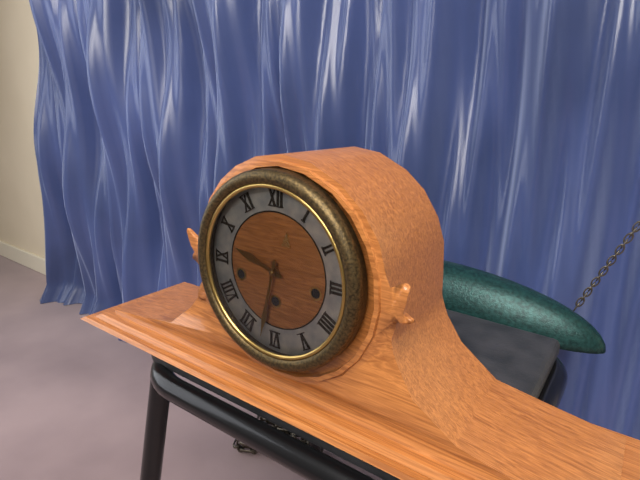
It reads {"hour": 9, "minute": 32}
